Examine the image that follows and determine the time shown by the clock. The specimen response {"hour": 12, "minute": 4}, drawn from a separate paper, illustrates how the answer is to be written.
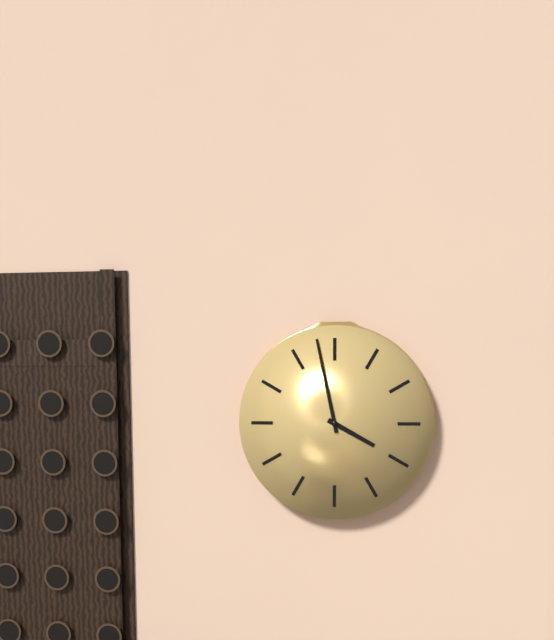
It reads {"hour": 3, "minute": 58}
